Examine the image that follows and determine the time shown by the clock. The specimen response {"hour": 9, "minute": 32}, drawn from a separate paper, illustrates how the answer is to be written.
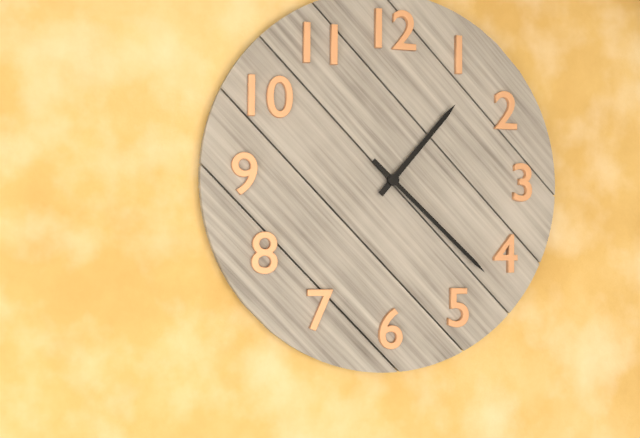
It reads {"hour": 1, "minute": 22}
